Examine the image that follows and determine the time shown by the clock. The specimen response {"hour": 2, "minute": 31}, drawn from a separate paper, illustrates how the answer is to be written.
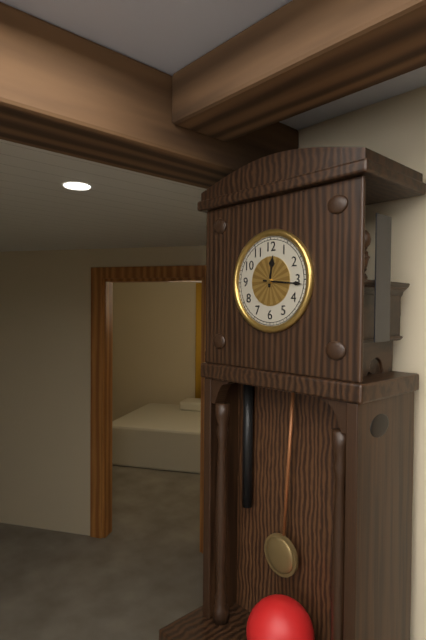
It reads {"hour": 12, "minute": 16}
